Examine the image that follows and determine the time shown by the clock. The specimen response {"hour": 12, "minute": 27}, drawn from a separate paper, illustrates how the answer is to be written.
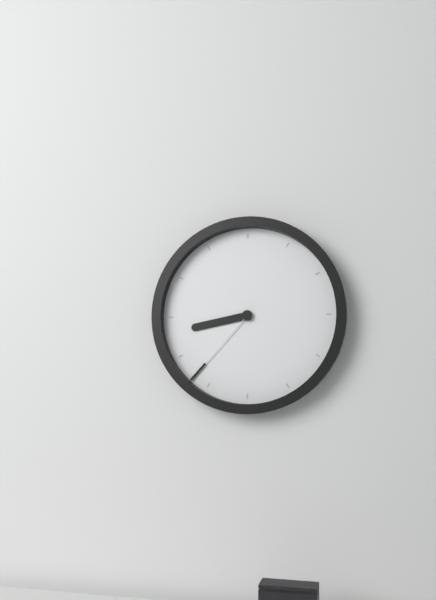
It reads {"hour": 8, "minute": 37}
